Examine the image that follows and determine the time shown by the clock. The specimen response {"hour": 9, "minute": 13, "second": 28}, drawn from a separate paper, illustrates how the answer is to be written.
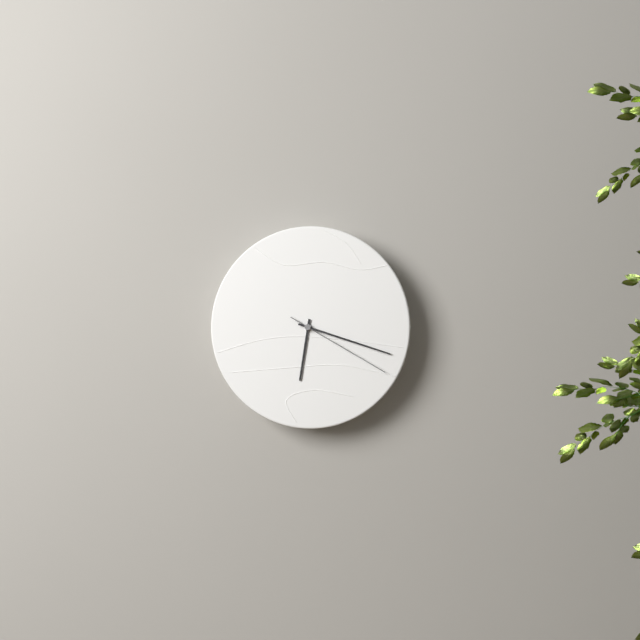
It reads {"hour": 6, "minute": 18, "second": 20}
